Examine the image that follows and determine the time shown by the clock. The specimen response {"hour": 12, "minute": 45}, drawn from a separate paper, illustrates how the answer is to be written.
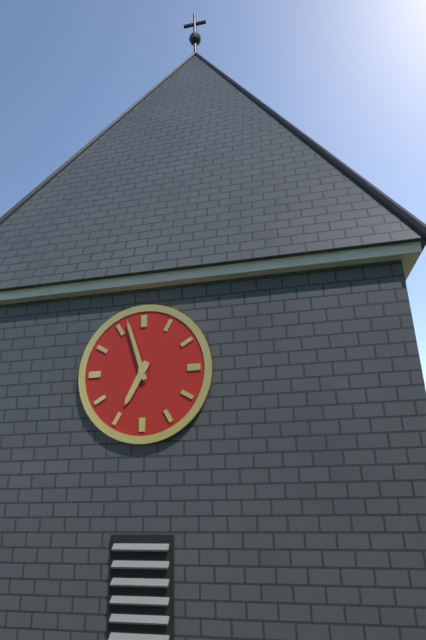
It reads {"hour": 6, "minute": 57}
